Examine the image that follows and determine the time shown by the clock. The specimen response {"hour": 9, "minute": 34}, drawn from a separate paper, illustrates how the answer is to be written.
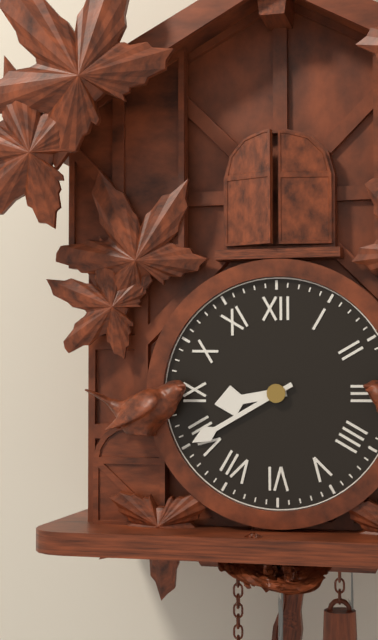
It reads {"hour": 8, "minute": 40}
